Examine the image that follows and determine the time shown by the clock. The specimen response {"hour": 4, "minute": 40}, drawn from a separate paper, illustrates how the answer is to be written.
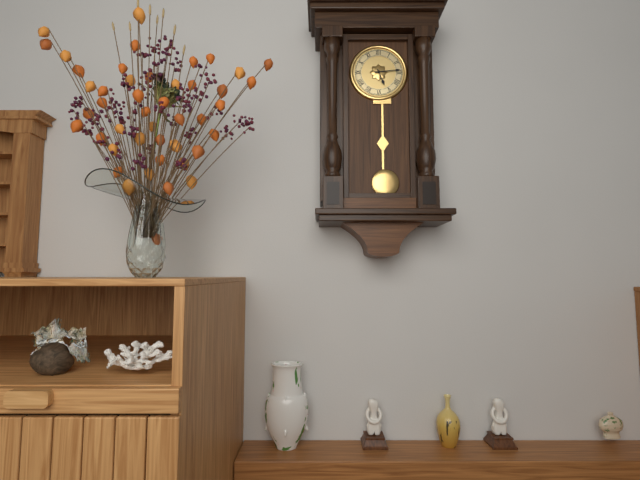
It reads {"hour": 5, "minute": 14}
